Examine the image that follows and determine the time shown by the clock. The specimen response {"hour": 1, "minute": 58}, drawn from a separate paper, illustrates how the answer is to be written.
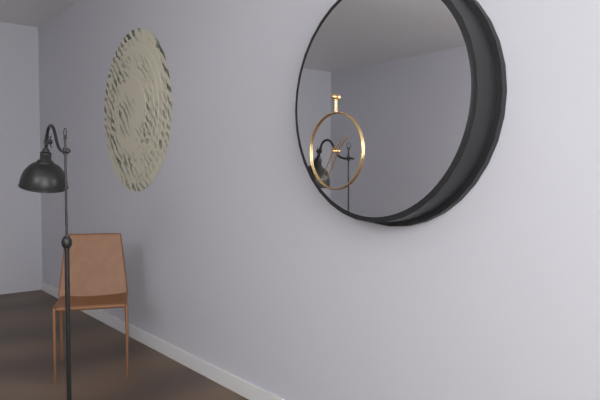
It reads {"hour": 1, "minute": 35}
